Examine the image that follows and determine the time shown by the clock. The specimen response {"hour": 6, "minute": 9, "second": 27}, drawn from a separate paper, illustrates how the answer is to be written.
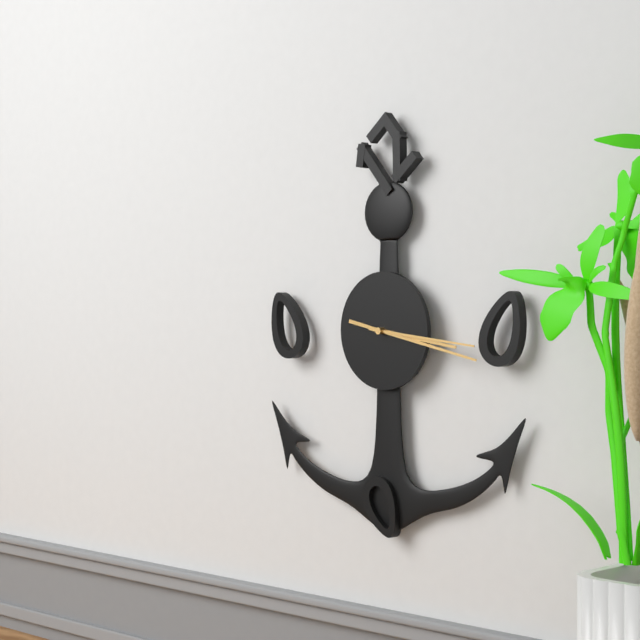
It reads {"hour": 3, "minute": 17, "second": 16}
